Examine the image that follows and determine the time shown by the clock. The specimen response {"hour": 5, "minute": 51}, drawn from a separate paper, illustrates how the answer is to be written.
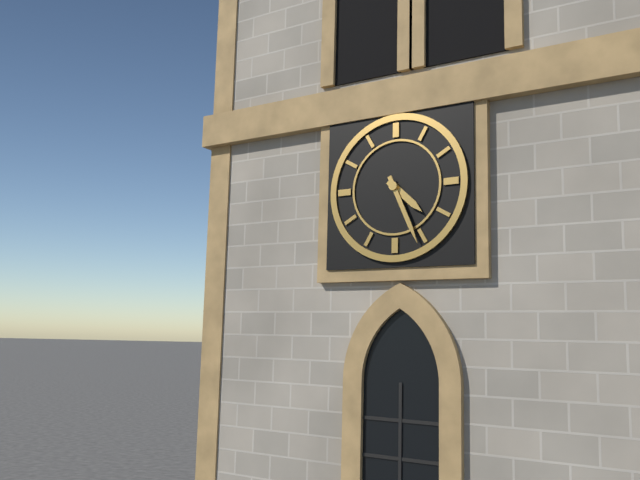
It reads {"hour": 4, "minute": 26}
